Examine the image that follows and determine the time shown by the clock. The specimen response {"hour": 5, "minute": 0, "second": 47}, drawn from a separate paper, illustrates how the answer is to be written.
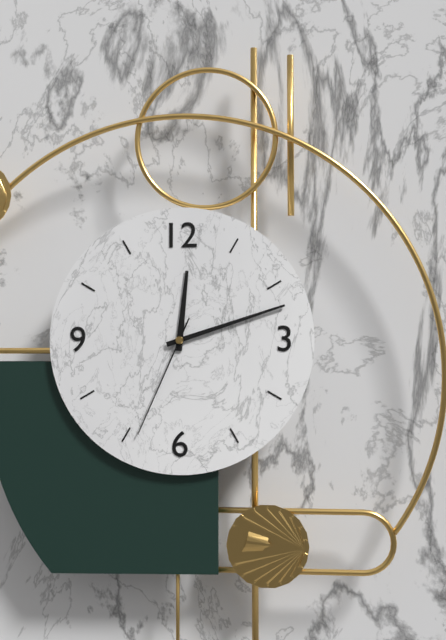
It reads {"hour": 12, "minute": 12, "second": 34}
